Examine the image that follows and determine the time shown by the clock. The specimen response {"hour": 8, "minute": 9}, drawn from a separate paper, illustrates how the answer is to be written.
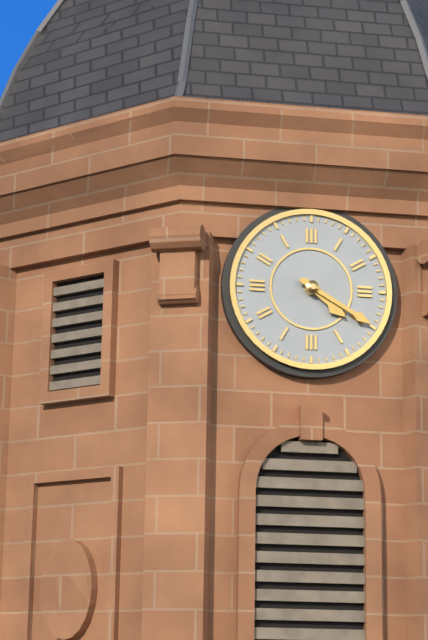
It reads {"hour": 4, "minute": 20}
